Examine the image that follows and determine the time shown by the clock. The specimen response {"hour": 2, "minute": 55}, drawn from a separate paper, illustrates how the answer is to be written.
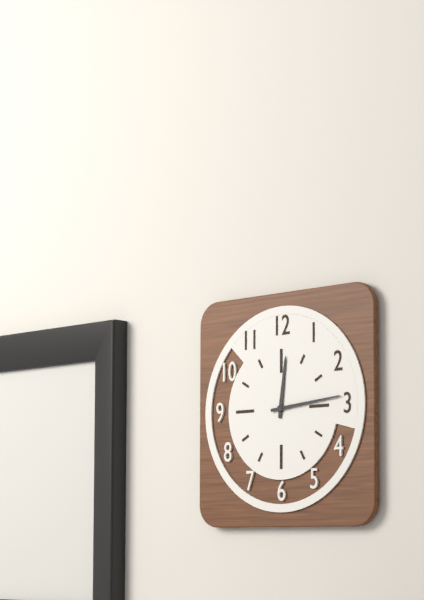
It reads {"hour": 12, "minute": 14}
